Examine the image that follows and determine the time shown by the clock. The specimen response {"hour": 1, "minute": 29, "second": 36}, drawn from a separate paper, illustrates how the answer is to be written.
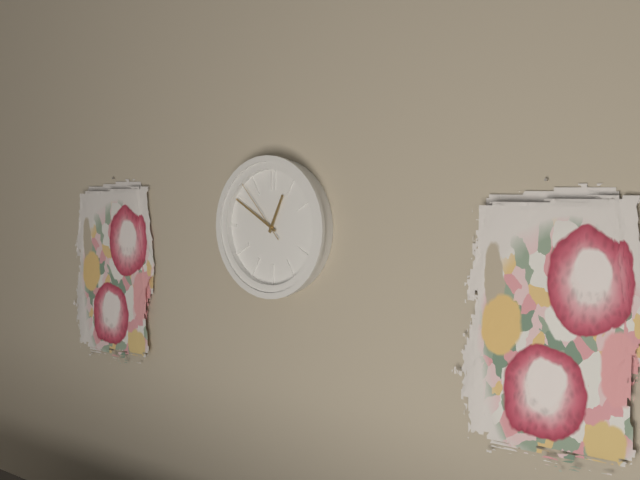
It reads {"hour": 12, "minute": 50, "second": 53}
